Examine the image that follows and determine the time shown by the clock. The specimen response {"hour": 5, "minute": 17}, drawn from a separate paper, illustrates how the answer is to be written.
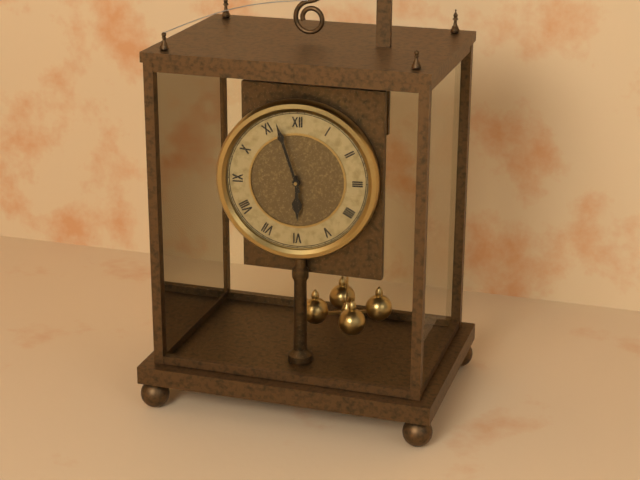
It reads {"hour": 5, "minute": 57}
